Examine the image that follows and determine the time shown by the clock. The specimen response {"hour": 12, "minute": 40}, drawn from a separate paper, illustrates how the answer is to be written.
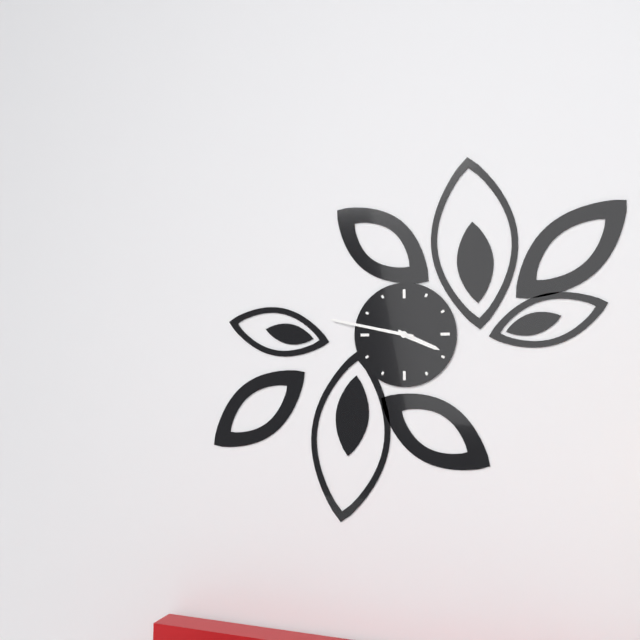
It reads {"hour": 3, "minute": 47}
